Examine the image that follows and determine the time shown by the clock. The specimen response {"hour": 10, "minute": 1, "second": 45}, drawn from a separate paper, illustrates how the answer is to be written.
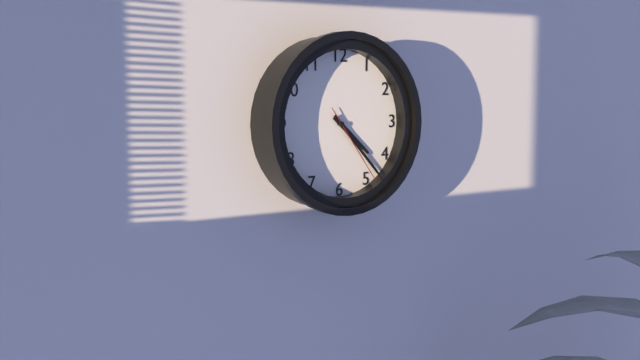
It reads {"hour": 4, "minute": 23, "second": 24}
